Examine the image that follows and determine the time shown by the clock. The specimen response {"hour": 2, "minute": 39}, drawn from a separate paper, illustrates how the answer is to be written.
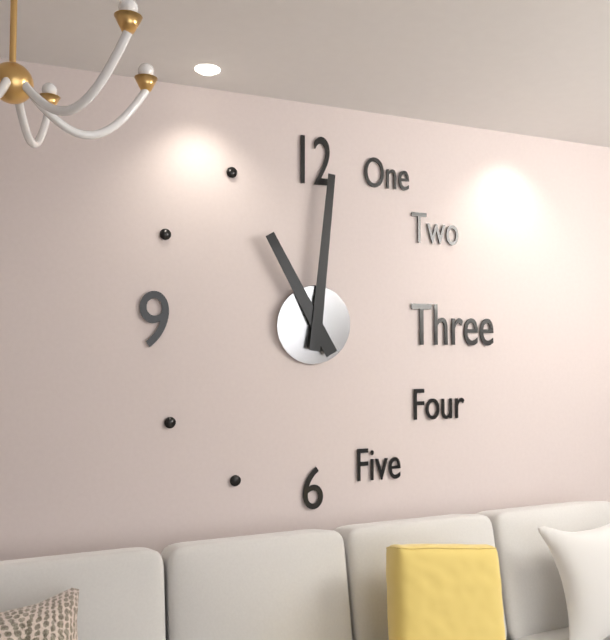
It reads {"hour": 11, "minute": 1}
